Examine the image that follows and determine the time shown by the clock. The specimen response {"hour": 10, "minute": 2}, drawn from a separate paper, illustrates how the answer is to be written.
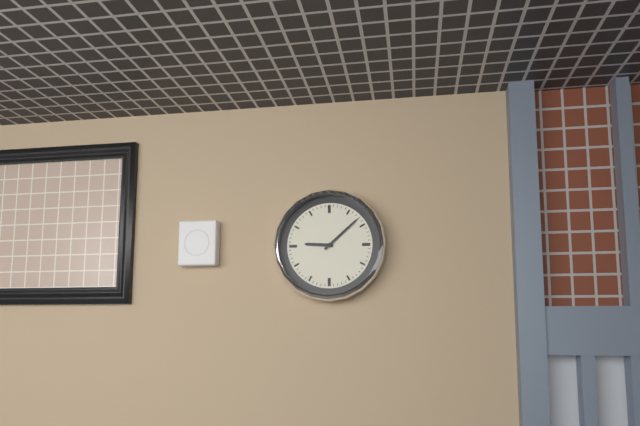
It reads {"hour": 9, "minute": 8}
